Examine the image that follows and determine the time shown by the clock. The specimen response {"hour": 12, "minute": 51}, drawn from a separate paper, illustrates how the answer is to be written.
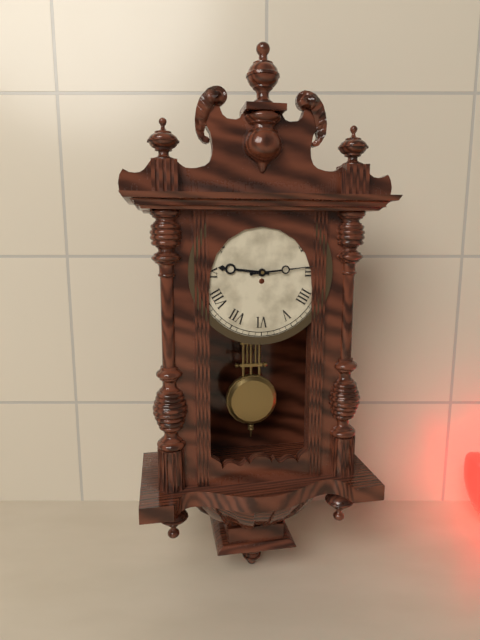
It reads {"hour": 9, "minute": 14}
